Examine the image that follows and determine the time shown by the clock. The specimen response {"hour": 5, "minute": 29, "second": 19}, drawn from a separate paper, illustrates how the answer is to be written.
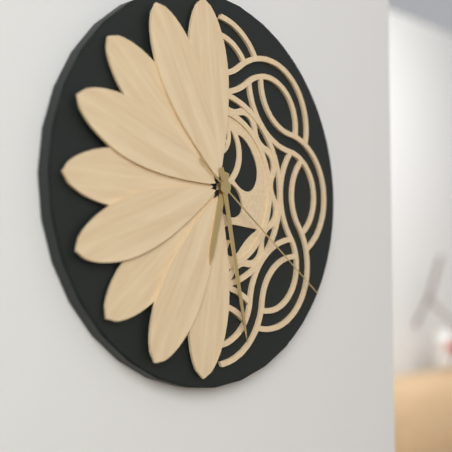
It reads {"hour": 6, "minute": 28, "second": 21}
